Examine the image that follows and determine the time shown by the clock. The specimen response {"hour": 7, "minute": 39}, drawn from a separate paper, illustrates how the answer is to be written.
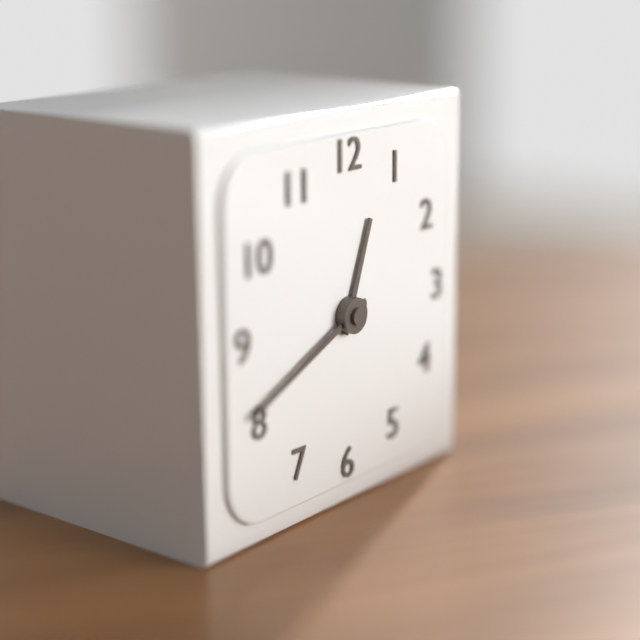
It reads {"hour": 12, "minute": 41}
